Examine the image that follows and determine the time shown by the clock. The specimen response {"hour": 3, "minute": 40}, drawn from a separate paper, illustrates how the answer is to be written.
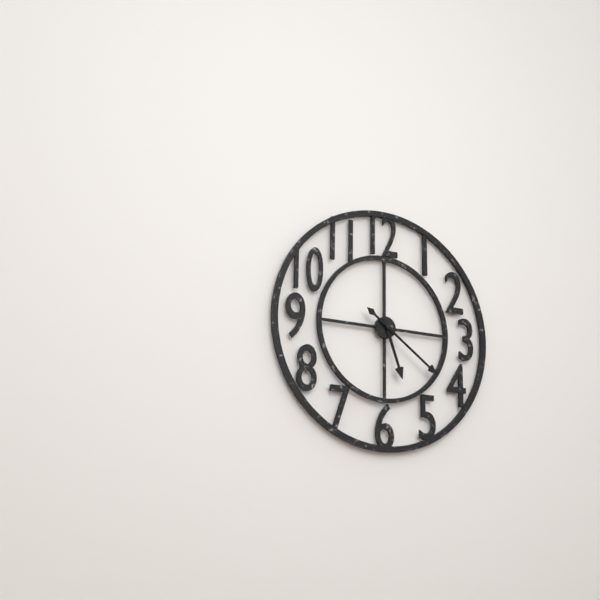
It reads {"hour": 5, "minute": 21}
